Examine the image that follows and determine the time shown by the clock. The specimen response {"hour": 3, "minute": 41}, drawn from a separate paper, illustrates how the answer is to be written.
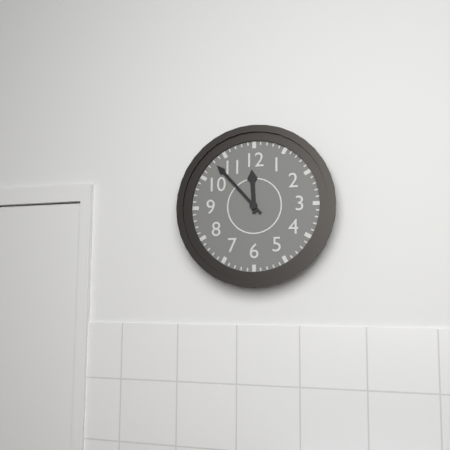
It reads {"hour": 11, "minute": 53}
